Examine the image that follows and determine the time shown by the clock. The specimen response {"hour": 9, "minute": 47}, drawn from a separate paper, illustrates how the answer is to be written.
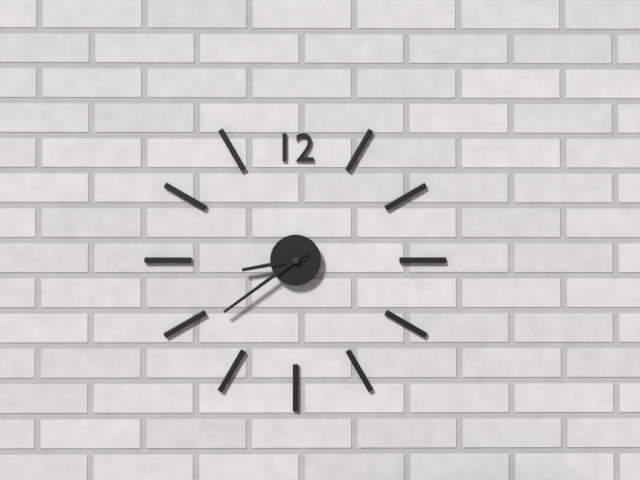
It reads {"hour": 8, "minute": 39}
